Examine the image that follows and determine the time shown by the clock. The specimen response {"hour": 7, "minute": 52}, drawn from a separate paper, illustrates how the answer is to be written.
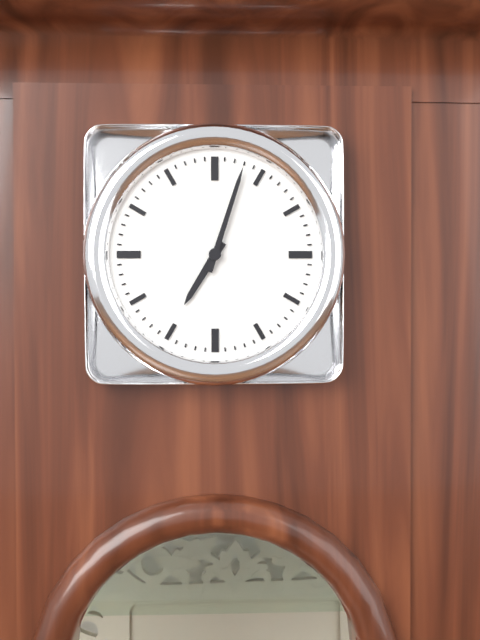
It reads {"hour": 7, "minute": 3}
